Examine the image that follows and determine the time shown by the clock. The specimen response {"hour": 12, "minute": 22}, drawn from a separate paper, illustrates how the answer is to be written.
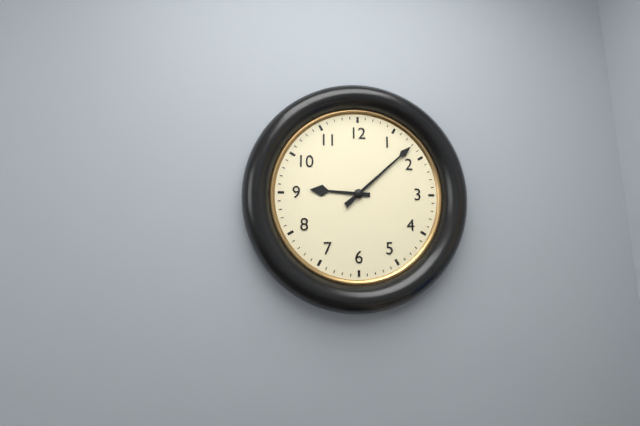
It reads {"hour": 9, "minute": 8}
